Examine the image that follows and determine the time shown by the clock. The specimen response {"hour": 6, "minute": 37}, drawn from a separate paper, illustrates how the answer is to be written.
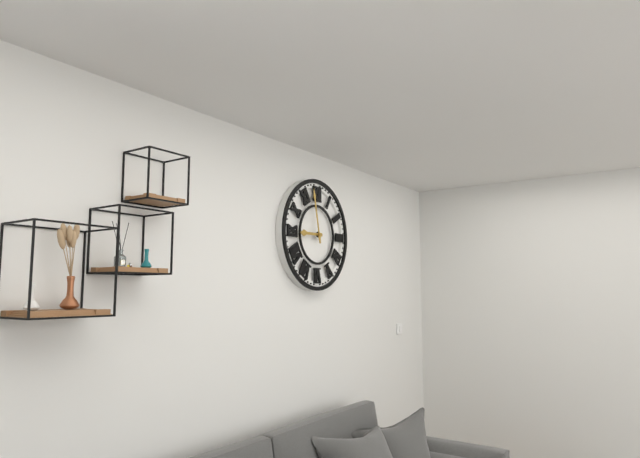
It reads {"hour": 8, "minute": 58}
